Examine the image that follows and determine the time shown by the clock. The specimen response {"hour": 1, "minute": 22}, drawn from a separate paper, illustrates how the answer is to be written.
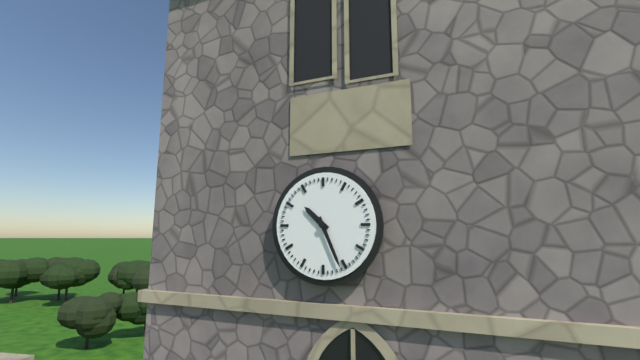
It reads {"hour": 10, "minute": 26}
